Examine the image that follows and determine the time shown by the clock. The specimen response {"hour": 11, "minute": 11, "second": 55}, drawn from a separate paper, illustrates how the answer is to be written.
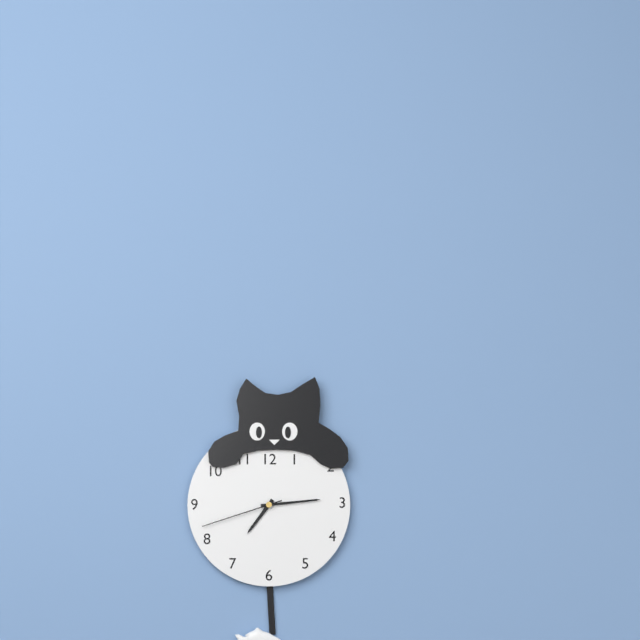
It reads {"hour": 7, "minute": 14, "second": 42}
